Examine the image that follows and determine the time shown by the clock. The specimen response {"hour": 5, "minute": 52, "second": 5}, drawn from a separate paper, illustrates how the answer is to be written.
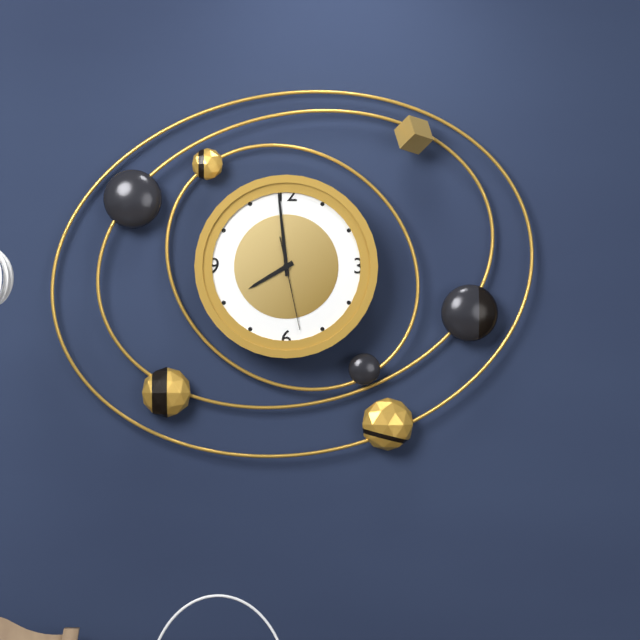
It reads {"hour": 7, "minute": 59, "second": 28}
